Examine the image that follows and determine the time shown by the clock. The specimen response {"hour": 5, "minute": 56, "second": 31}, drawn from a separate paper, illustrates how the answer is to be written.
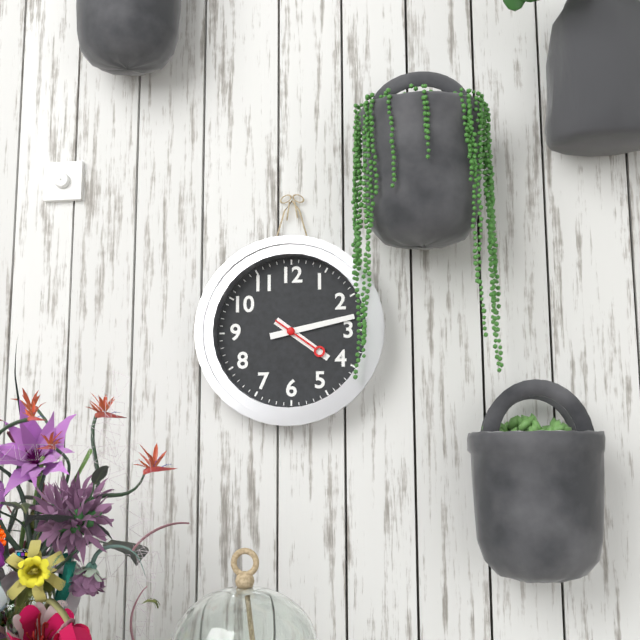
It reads {"hour": 4, "minute": 13, "second": 21}
